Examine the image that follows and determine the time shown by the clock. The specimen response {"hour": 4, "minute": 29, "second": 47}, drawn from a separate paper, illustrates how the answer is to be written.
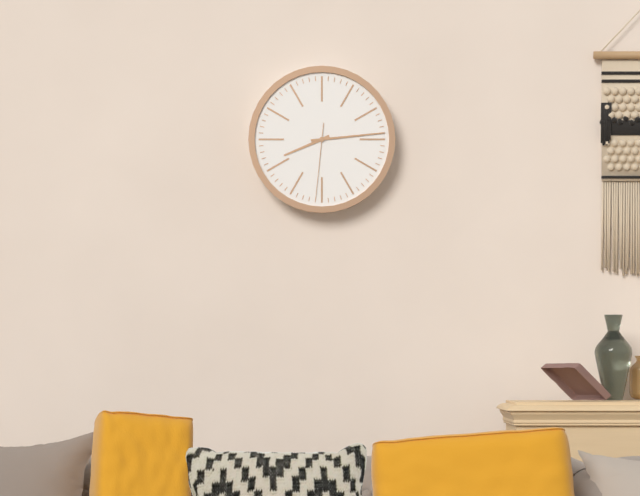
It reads {"hour": 8, "minute": 14, "second": 31}
